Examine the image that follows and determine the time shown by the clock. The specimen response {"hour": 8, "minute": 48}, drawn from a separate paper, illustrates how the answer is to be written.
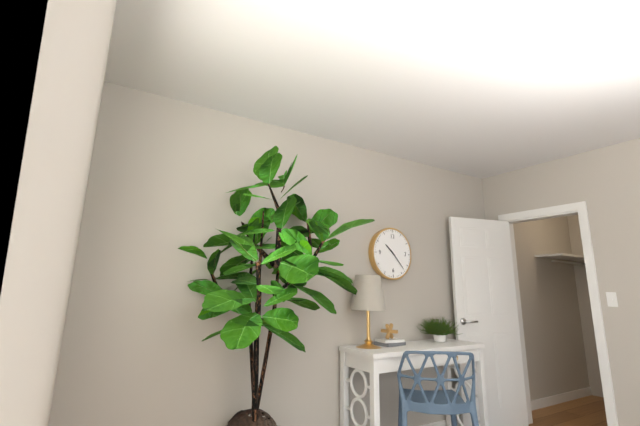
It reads {"hour": 10, "minute": 23}
